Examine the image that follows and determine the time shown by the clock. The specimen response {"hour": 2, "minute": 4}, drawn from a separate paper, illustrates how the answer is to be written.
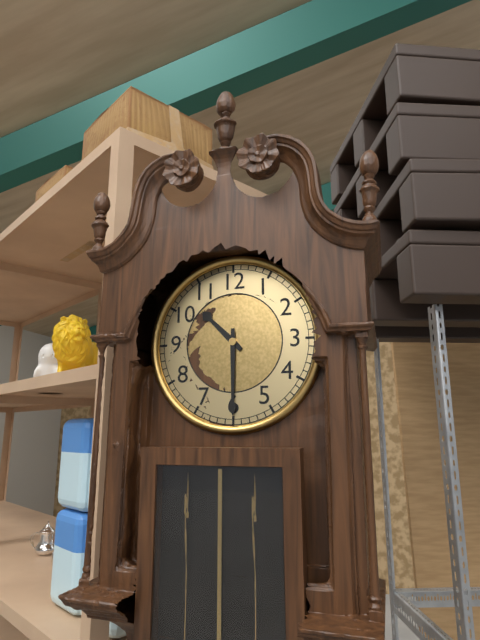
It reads {"hour": 10, "minute": 30}
